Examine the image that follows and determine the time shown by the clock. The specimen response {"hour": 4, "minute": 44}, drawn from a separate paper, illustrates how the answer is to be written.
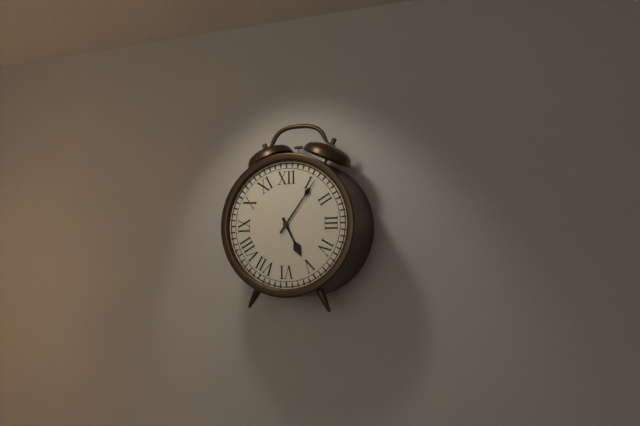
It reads {"hour": 5, "minute": 6}
